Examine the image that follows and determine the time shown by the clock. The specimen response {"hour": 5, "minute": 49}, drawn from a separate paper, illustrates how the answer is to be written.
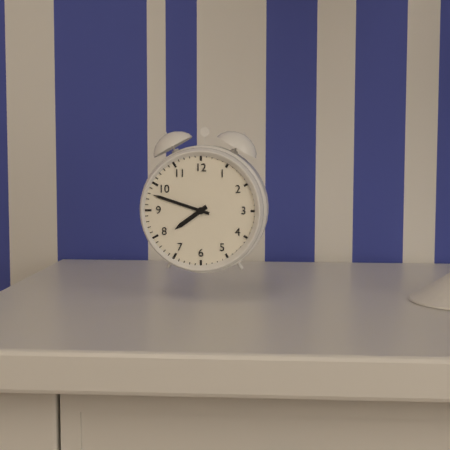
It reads {"hour": 7, "minute": 48}
